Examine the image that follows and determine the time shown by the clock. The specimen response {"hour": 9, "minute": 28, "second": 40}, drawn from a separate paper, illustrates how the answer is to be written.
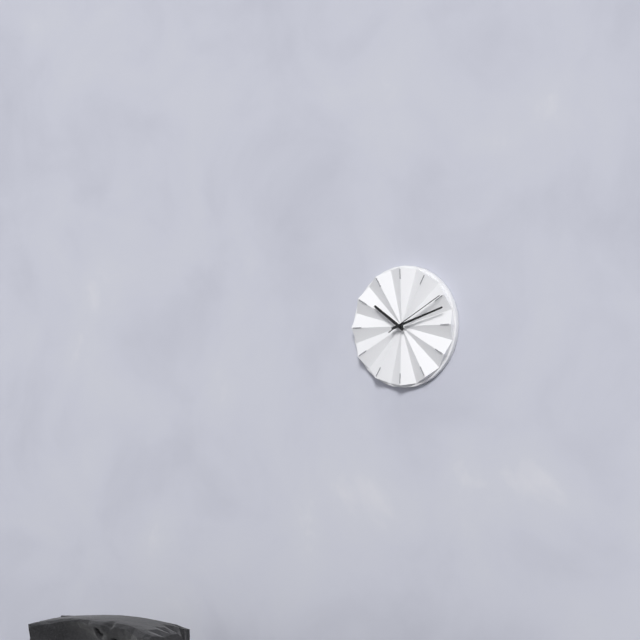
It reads {"hour": 10, "minute": 12, "second": 10}
